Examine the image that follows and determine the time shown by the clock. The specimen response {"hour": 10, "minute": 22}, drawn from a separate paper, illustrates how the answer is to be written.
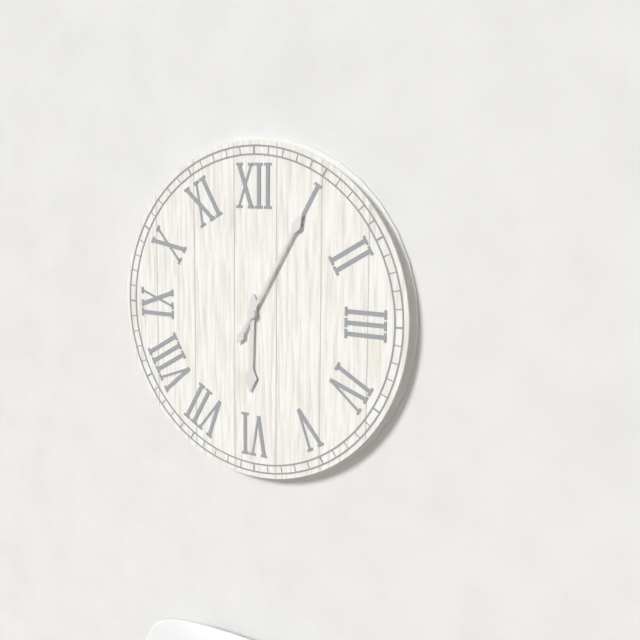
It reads {"hour": 6, "minute": 5}
